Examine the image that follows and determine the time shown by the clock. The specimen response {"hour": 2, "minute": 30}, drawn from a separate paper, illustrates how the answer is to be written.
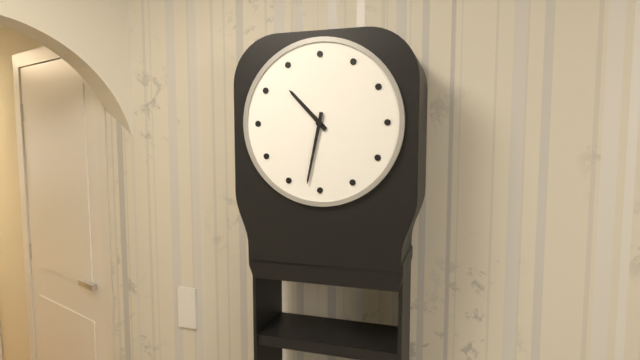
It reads {"hour": 10, "minute": 32}
